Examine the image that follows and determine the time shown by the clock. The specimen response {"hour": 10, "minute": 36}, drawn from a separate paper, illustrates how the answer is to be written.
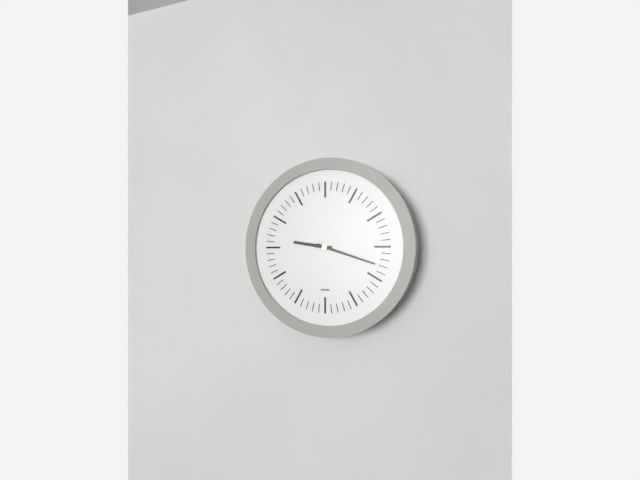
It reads {"hour": 9, "minute": 18}
